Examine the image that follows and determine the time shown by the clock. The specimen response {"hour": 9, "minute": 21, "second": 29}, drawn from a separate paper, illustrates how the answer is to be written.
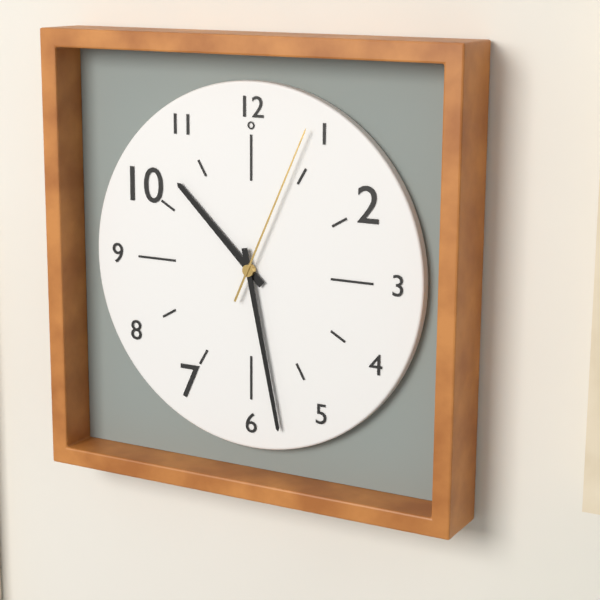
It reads {"hour": 10, "minute": 28, "second": 4}
